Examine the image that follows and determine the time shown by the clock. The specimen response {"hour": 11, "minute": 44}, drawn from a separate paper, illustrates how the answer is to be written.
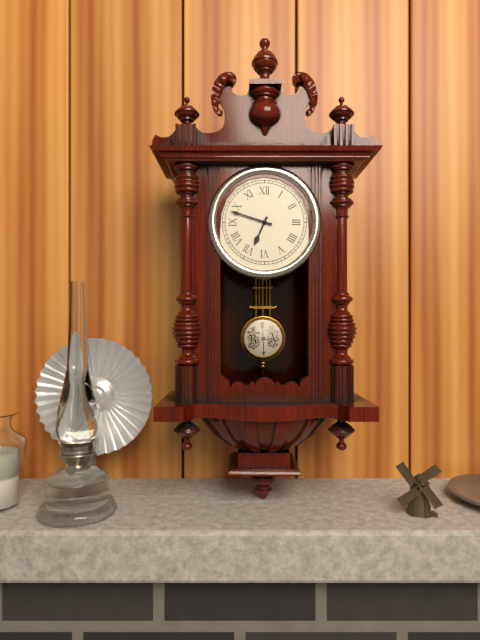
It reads {"hour": 6, "minute": 48}
